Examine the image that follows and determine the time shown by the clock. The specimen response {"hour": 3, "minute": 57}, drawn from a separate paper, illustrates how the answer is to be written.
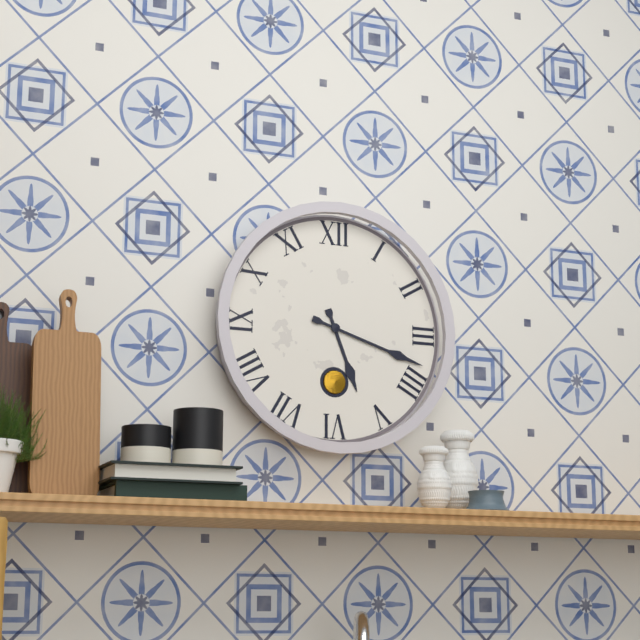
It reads {"hour": 5, "minute": 18}
